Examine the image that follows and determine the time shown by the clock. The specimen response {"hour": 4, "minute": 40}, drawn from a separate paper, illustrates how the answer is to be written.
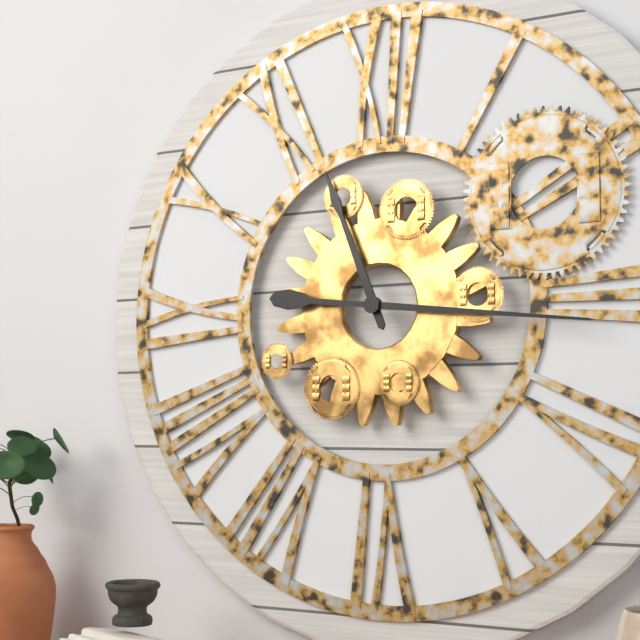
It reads {"hour": 11, "minute": 16}
